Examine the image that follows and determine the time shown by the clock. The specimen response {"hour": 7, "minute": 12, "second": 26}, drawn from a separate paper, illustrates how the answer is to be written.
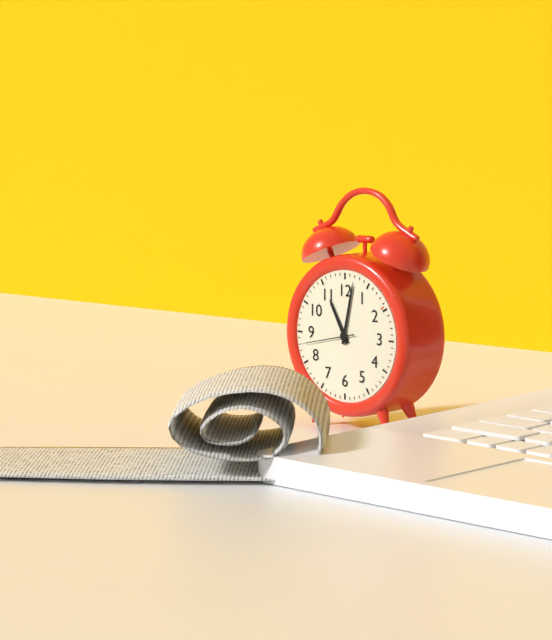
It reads {"hour": 11, "minute": 2, "second": 43}
